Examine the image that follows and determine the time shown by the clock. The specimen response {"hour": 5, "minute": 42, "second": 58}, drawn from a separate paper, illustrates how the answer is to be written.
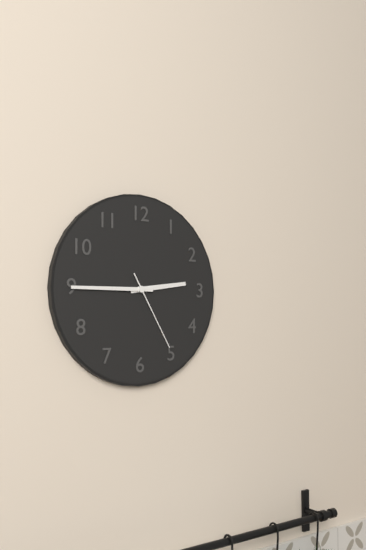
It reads {"hour": 2, "minute": 45, "second": 25}
